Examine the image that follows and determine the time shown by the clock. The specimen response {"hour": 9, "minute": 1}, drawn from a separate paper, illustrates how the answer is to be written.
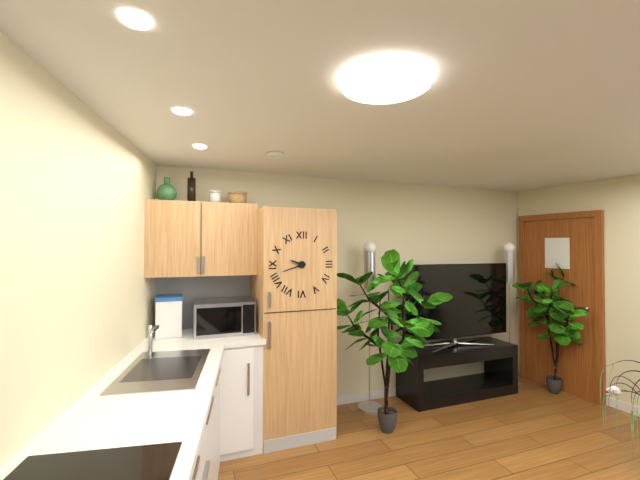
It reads {"hour": 9, "minute": 42}
